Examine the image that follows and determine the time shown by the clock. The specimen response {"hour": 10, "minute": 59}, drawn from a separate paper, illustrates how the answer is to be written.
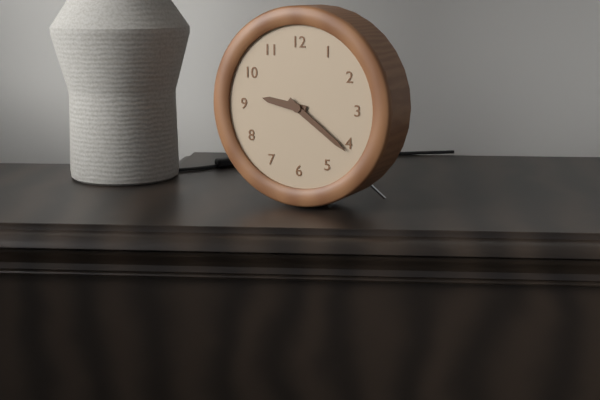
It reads {"hour": 9, "minute": 21}
